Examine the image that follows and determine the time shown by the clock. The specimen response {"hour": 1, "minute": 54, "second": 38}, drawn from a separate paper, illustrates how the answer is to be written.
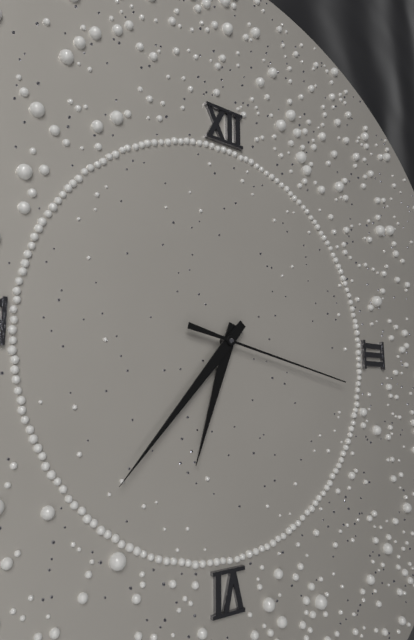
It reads {"hour": 6, "minute": 37, "second": 17}
